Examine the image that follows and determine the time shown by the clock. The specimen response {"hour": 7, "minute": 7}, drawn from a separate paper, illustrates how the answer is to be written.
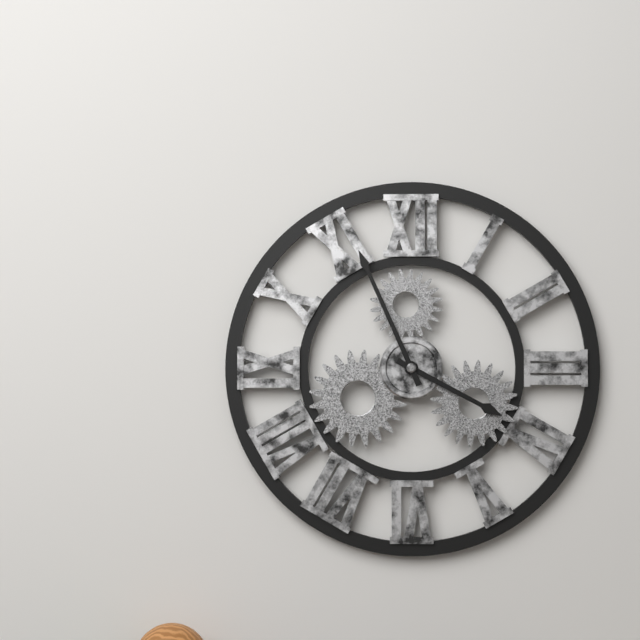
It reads {"hour": 3, "minute": 56}
